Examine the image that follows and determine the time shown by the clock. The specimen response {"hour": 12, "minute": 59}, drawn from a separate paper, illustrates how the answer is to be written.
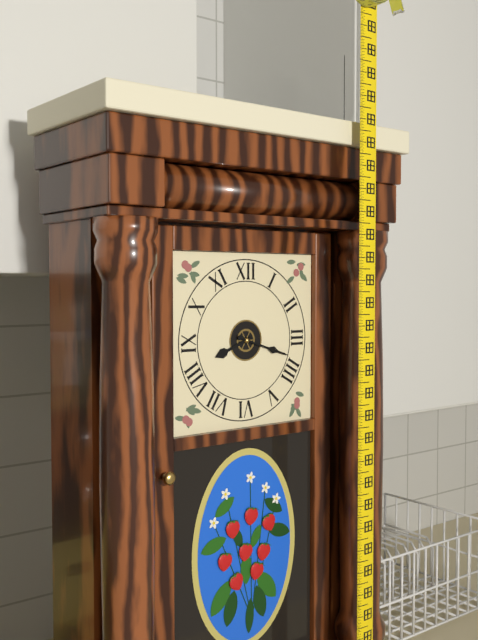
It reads {"hour": 8, "minute": 18}
